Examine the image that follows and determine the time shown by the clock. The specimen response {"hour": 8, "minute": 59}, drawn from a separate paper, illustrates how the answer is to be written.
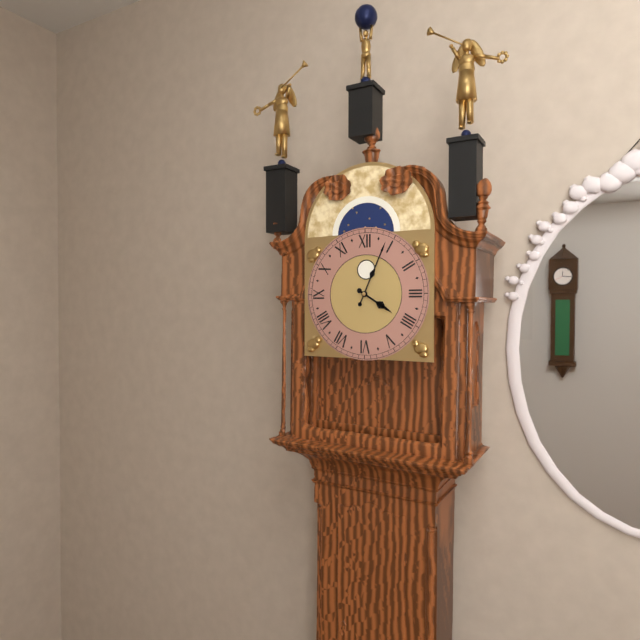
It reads {"hour": 4, "minute": 4}
